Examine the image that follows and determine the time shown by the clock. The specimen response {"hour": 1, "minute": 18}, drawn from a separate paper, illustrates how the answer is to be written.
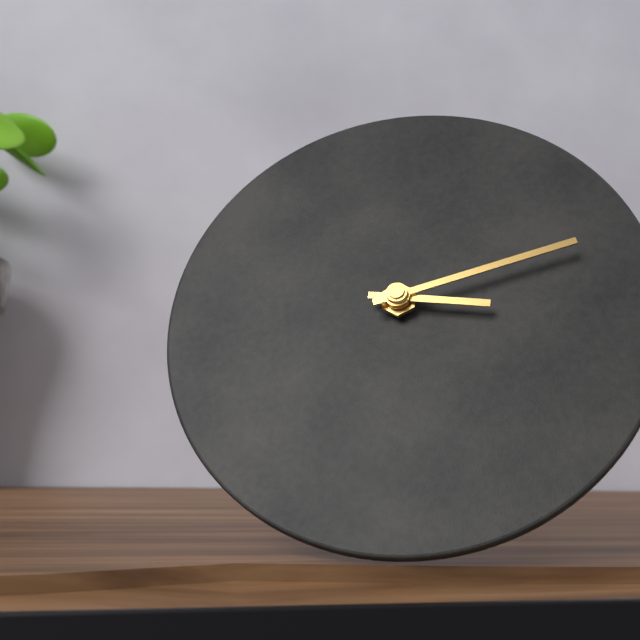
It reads {"hour": 3, "minute": 12}
